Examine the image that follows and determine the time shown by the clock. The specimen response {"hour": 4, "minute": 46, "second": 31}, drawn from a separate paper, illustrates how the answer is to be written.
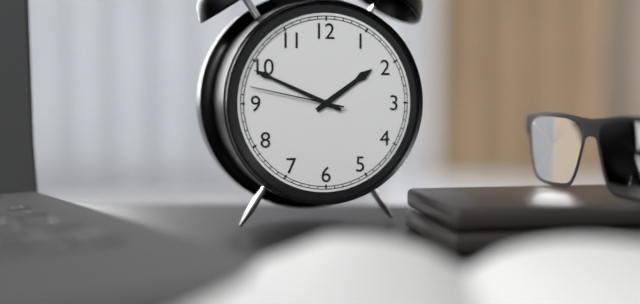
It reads {"hour": 1, "minute": 49, "second": 47}
